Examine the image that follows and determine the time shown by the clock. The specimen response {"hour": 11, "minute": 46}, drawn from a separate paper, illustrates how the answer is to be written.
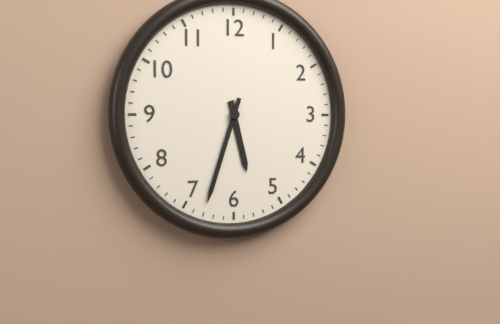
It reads {"hour": 5, "minute": 33}
